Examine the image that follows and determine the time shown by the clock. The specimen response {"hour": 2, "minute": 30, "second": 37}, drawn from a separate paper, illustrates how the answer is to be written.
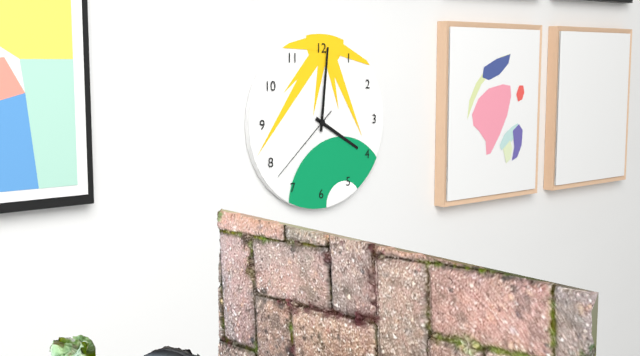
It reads {"hour": 4, "minute": 1, "second": 38}
